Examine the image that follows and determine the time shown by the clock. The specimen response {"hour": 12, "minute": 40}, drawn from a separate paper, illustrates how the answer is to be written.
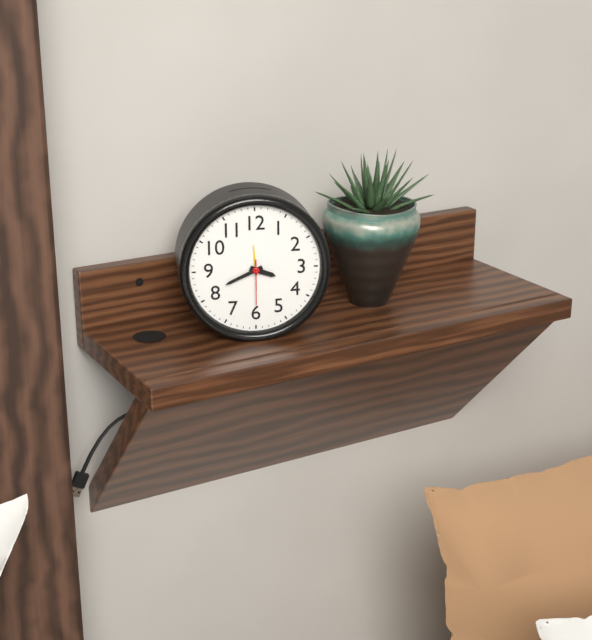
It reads {"hour": 3, "minute": 41}
